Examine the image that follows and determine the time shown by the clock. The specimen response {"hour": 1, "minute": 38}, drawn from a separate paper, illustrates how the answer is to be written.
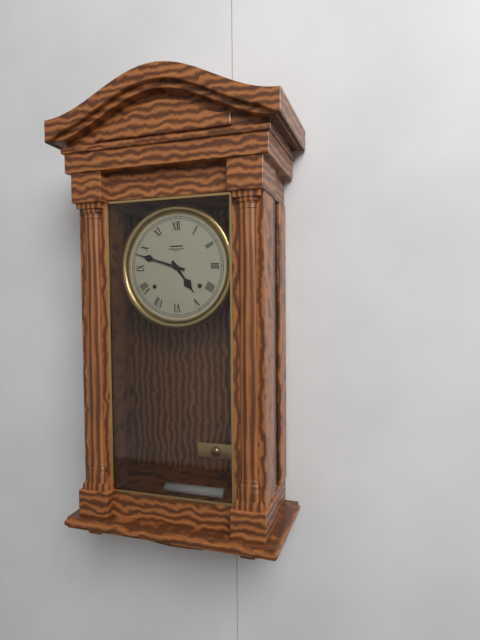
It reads {"hour": 4, "minute": 48}
